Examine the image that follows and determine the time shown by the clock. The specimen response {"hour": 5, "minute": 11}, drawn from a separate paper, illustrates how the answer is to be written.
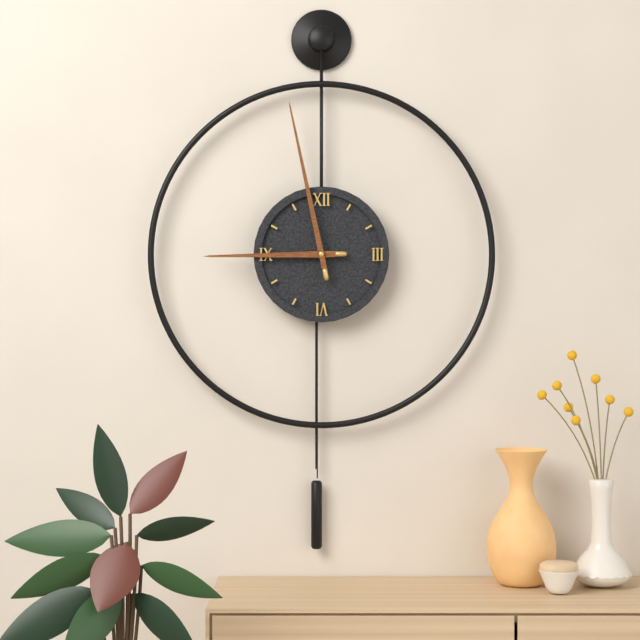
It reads {"hour": 8, "minute": 58}
